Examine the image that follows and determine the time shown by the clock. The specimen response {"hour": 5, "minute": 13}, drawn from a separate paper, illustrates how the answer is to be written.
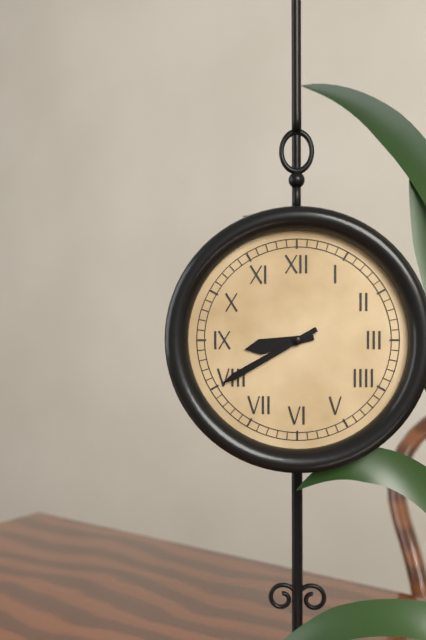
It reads {"hour": 8, "minute": 40}
